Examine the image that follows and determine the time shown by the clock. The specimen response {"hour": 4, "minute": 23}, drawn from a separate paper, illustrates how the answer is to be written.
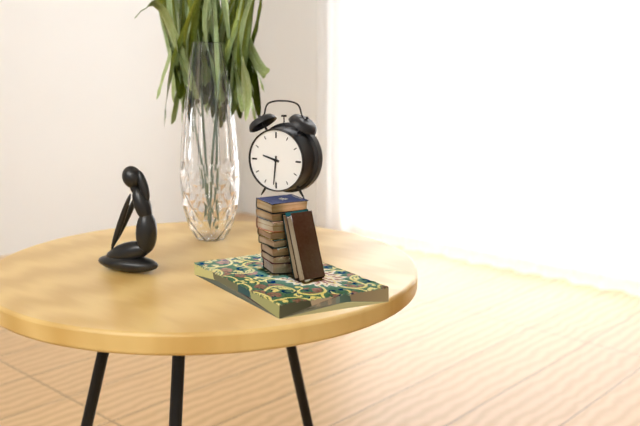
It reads {"hour": 9, "minute": 31}
